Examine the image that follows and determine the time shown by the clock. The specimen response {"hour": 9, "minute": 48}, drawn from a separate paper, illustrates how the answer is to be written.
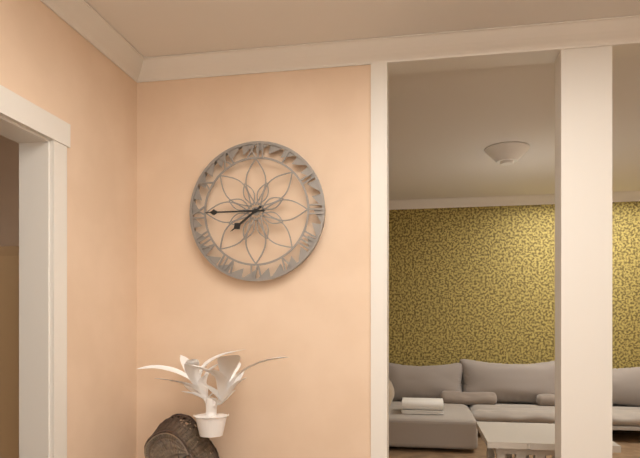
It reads {"hour": 7, "minute": 45}
